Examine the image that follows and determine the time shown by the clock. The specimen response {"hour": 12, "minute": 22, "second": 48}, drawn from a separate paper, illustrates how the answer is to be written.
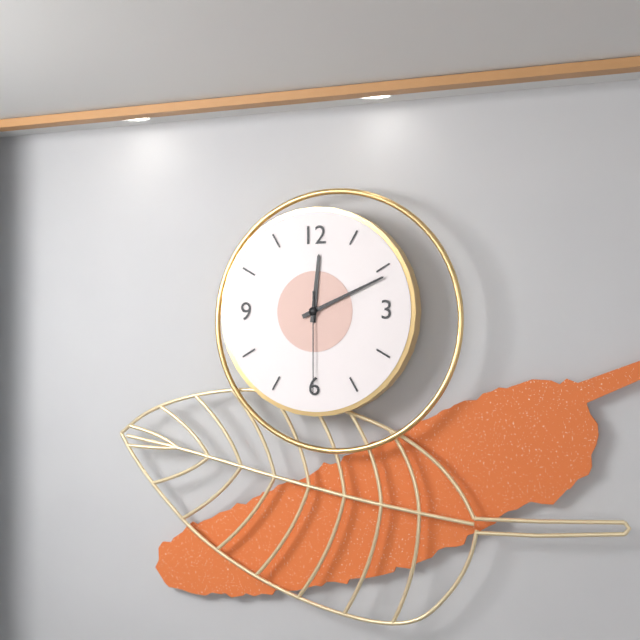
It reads {"hour": 12, "minute": 11, "second": 30}
